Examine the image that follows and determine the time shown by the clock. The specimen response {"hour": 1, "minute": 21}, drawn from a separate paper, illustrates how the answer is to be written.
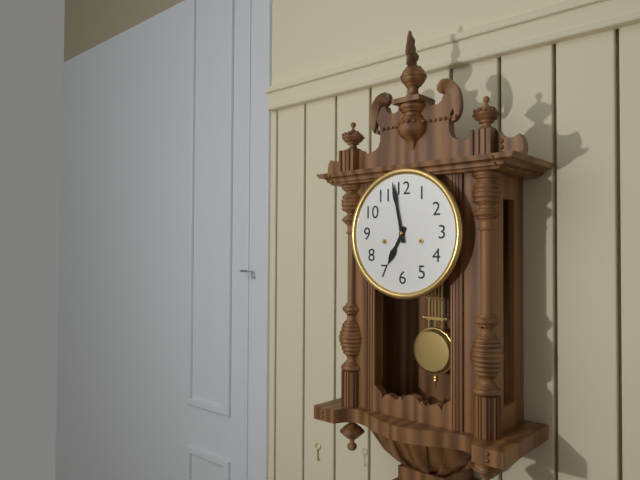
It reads {"hour": 6, "minute": 58}
